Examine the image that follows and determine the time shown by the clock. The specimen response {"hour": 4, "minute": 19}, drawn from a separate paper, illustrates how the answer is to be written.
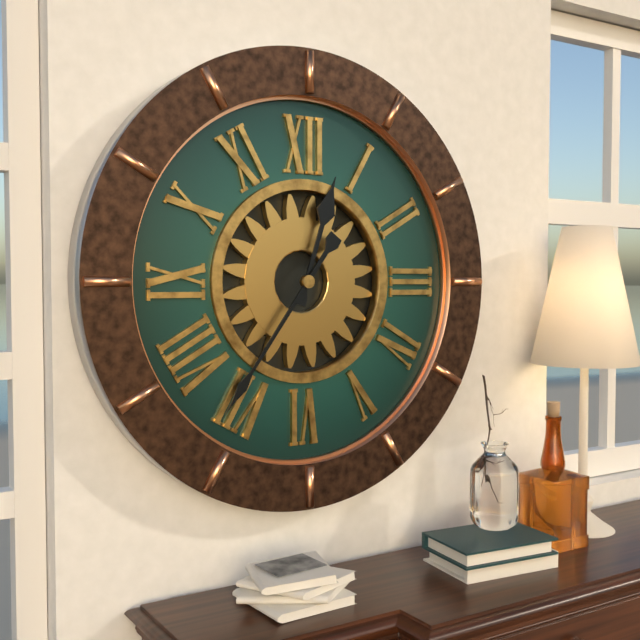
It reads {"hour": 12, "minute": 36}
